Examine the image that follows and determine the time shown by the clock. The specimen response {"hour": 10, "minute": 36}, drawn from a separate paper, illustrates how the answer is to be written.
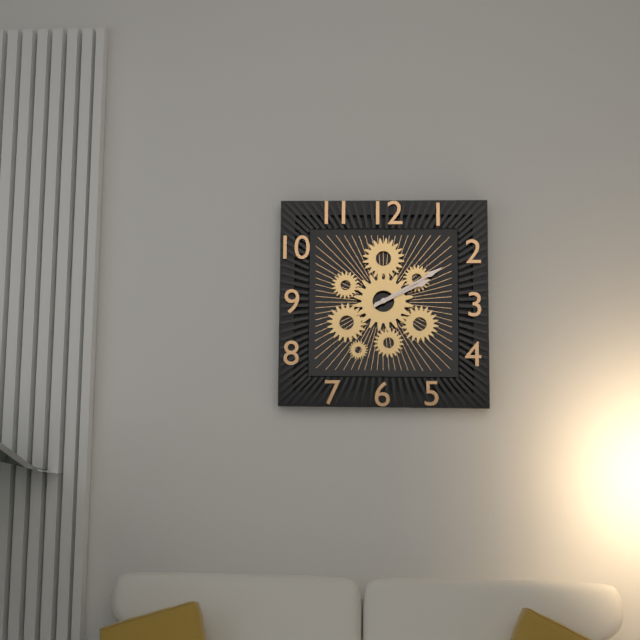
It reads {"hour": 2, "minute": 10}
